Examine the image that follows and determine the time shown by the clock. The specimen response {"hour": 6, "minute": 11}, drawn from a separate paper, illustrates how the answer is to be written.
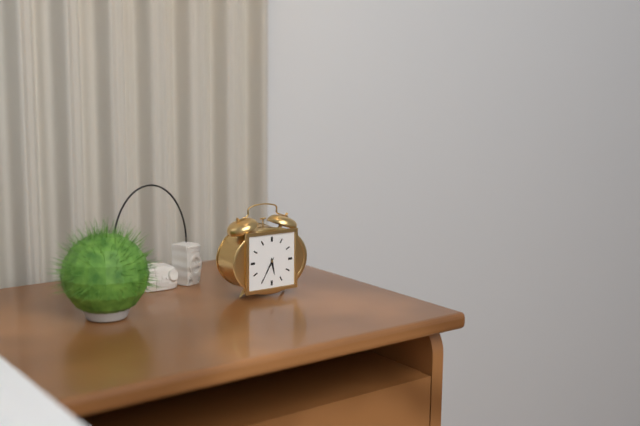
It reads {"hour": 5, "minute": 35}
